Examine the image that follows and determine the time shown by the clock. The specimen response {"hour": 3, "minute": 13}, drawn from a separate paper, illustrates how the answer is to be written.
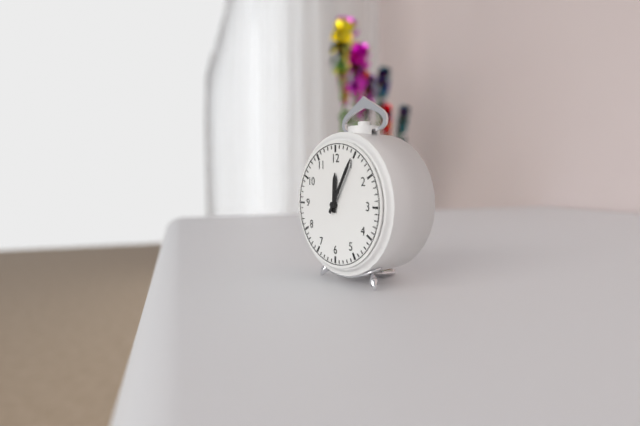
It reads {"hour": 12, "minute": 5}
